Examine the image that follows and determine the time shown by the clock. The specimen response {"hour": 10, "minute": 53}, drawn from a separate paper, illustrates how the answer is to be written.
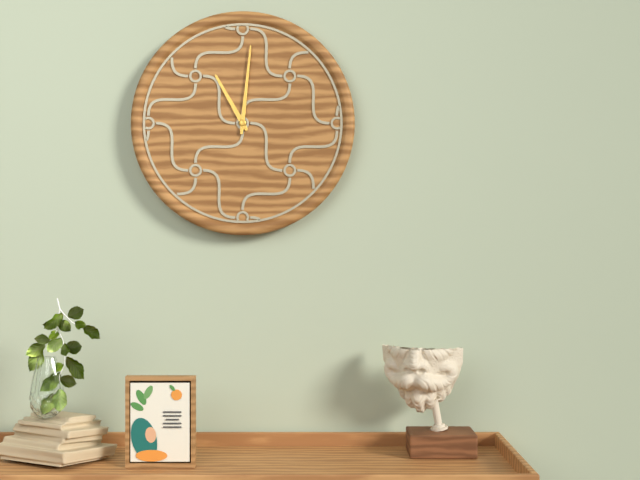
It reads {"hour": 11, "minute": 1}
